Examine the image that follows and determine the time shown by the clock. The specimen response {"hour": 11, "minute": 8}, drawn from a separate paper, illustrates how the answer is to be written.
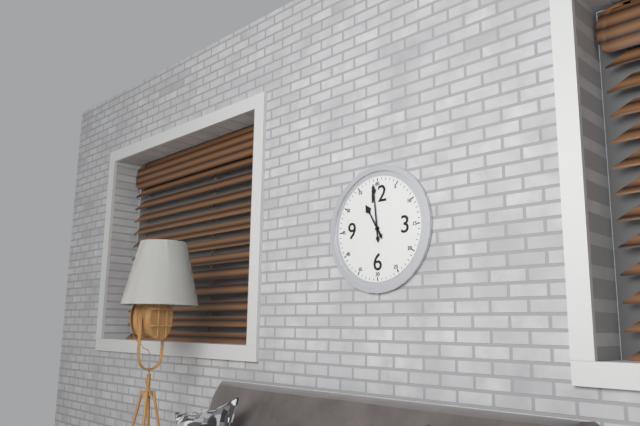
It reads {"hour": 10, "minute": 59}
